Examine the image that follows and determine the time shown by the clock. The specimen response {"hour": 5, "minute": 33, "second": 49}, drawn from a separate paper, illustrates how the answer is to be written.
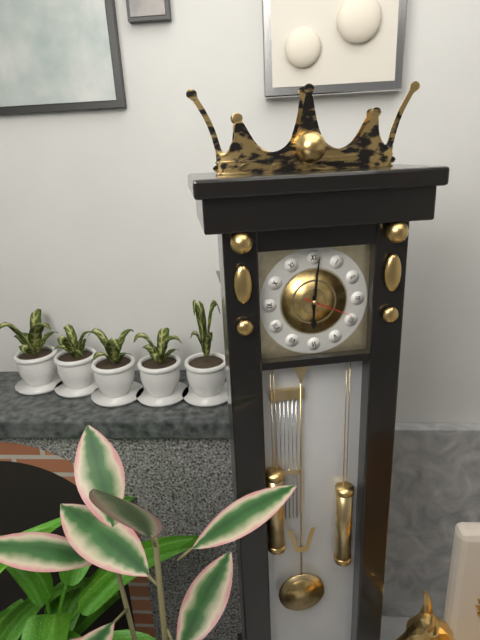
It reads {"hour": 6, "minute": 1, "second": 19}
